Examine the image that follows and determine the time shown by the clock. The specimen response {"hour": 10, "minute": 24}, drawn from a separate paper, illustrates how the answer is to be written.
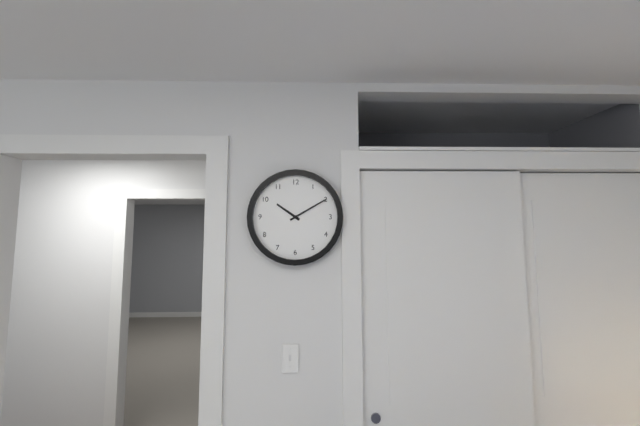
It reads {"hour": 10, "minute": 10}
